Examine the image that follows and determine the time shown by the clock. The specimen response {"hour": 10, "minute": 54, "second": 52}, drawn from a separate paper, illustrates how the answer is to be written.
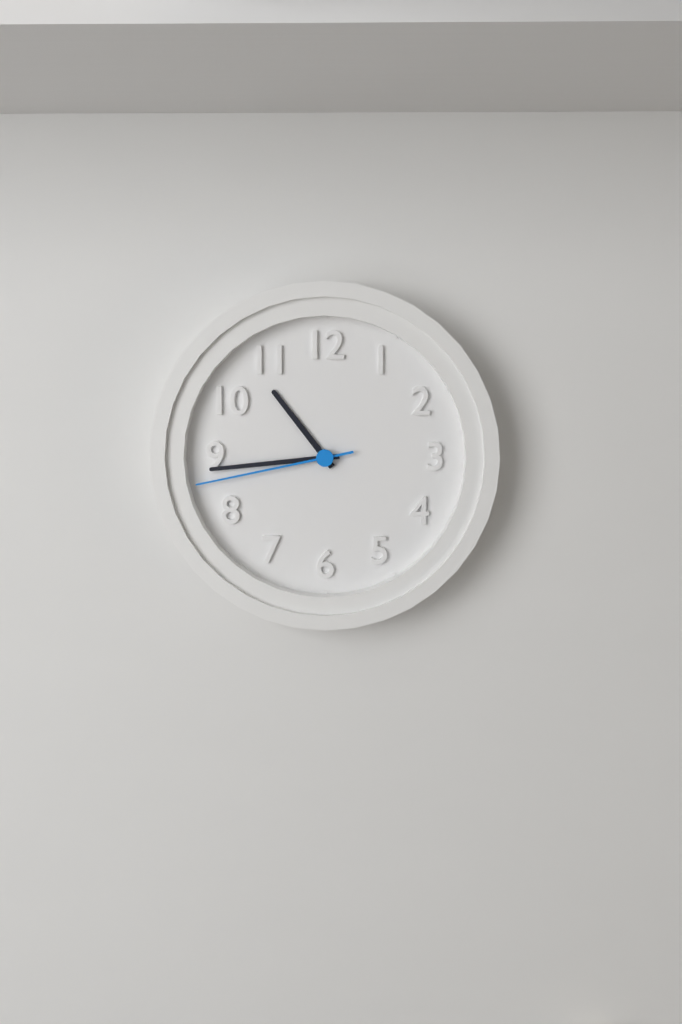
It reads {"hour": 10, "minute": 44, "second": 43}
